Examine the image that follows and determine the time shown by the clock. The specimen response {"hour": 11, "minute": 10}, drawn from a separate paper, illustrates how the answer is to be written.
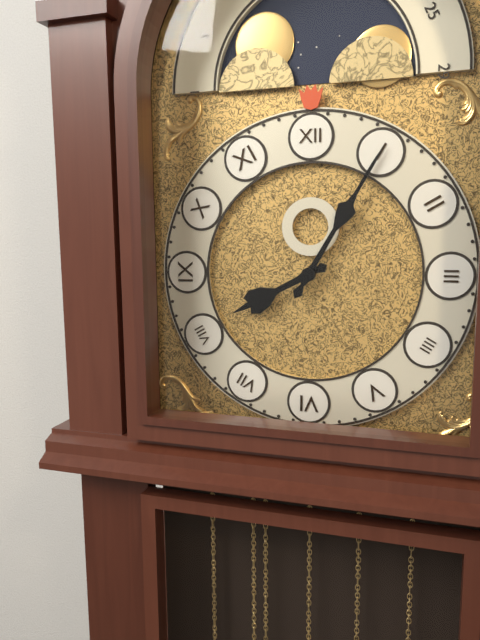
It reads {"hour": 8, "minute": 5}
